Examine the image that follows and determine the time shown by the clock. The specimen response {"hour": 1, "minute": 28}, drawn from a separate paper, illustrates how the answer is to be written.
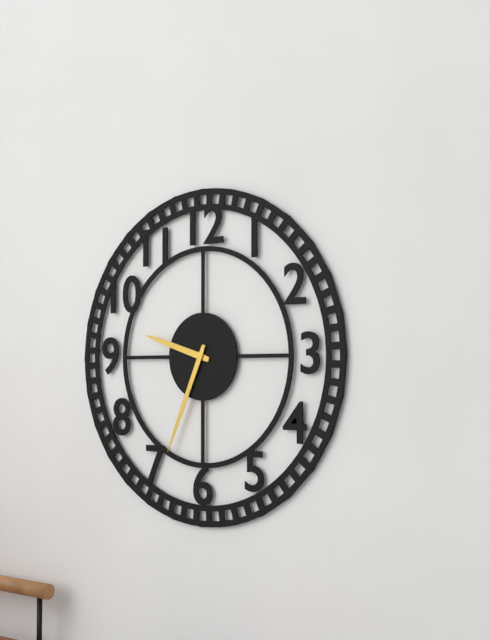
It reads {"hour": 9, "minute": 34}
